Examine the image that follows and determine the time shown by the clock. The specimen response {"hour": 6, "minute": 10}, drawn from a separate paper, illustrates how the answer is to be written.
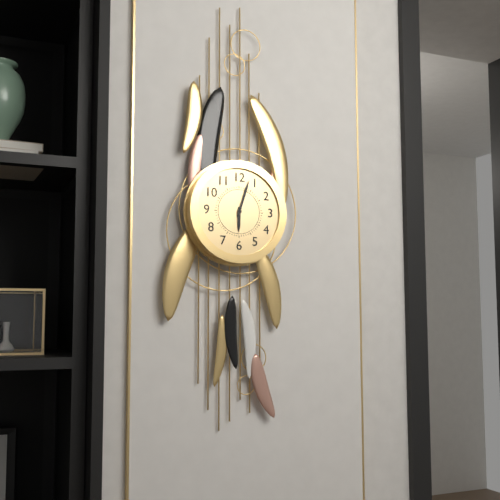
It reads {"hour": 6, "minute": 3}
